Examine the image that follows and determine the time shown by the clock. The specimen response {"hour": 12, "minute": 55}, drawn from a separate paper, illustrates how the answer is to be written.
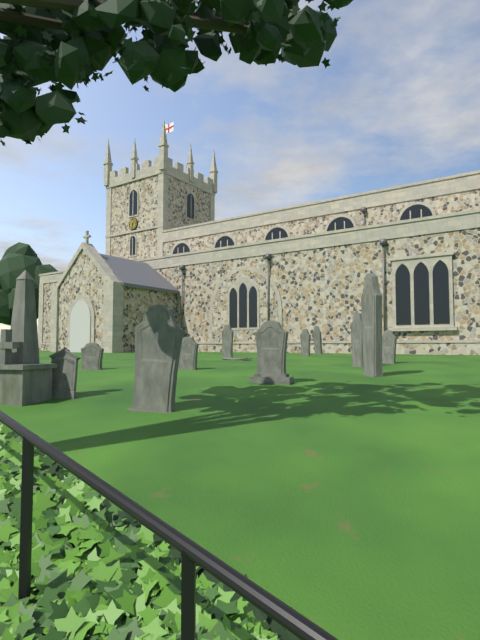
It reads {"hour": 6, "minute": 8}
